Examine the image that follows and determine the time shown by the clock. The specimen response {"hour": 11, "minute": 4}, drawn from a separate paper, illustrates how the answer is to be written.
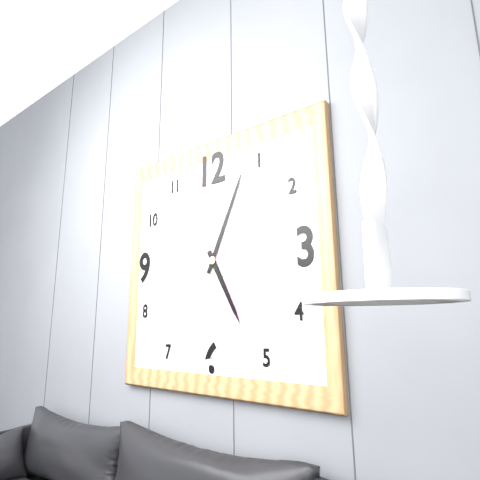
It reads {"hour": 5, "minute": 4}
